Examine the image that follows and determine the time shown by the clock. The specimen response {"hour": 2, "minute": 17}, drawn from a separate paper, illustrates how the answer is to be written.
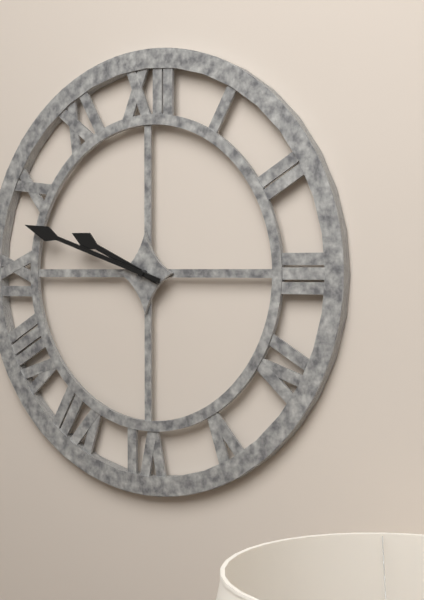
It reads {"hour": 9, "minute": 48}
